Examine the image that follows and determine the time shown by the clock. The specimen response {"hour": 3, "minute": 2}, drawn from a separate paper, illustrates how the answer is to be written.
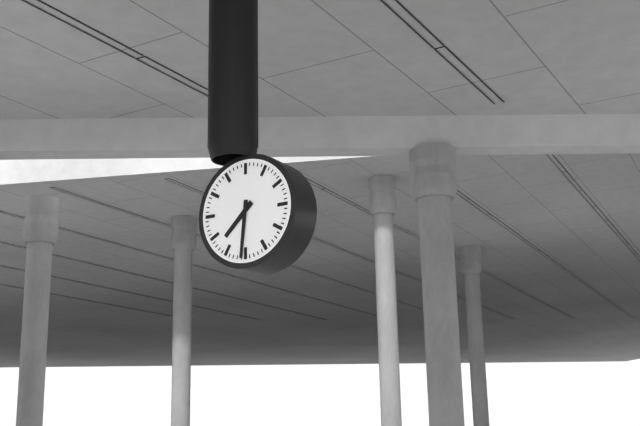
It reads {"hour": 7, "minute": 31}
